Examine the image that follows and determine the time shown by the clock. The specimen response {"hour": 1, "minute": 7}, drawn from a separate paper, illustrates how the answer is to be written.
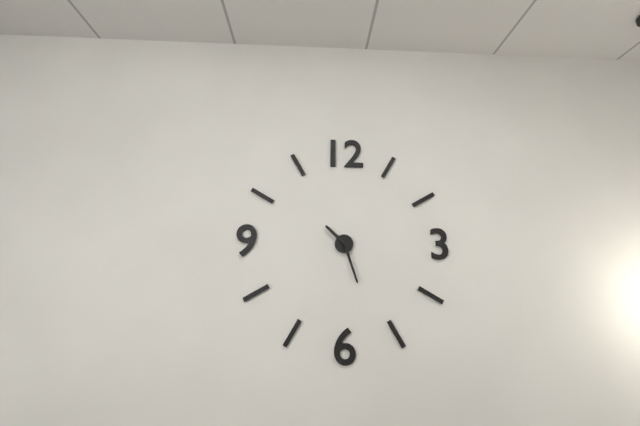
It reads {"hour": 10, "minute": 27}
